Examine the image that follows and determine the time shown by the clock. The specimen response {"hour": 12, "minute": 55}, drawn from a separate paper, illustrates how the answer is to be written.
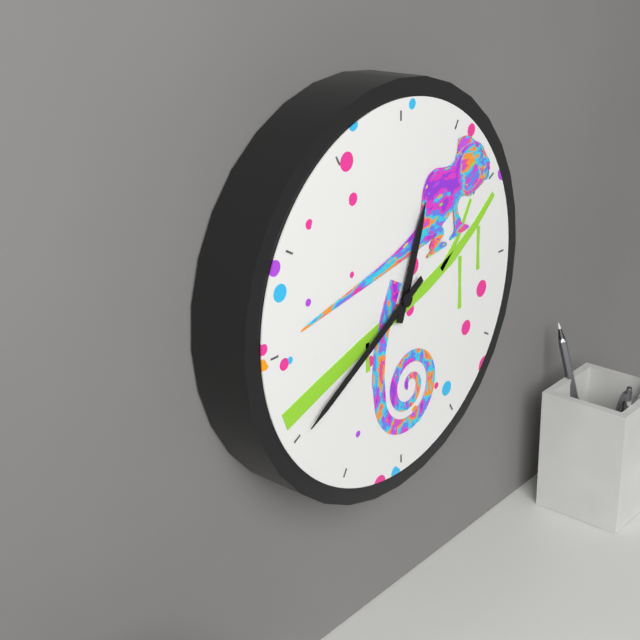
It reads {"hour": 12, "minute": 40}
